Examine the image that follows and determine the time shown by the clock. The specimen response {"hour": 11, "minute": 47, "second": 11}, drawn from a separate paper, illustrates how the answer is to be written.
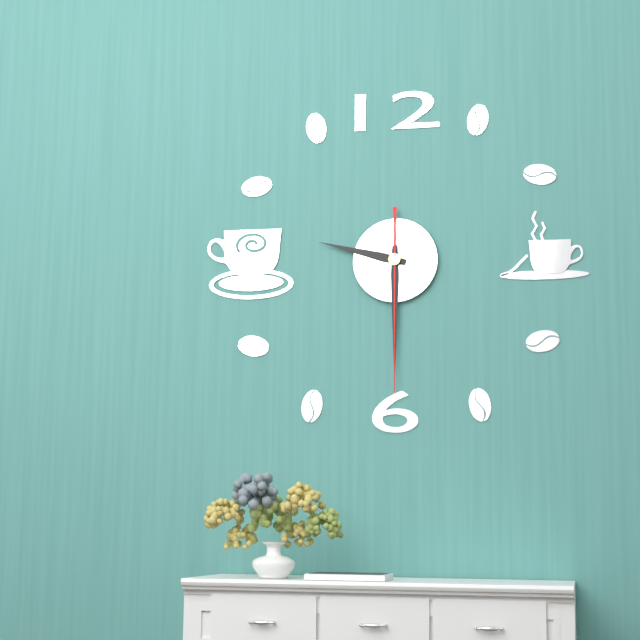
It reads {"hour": 9, "minute": 30, "second": 30}
